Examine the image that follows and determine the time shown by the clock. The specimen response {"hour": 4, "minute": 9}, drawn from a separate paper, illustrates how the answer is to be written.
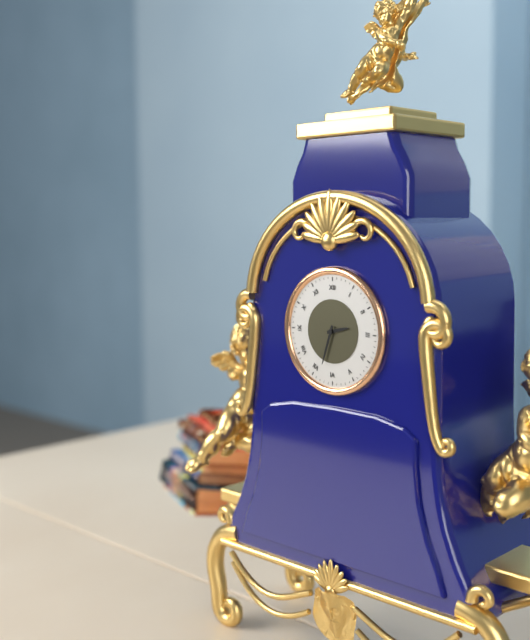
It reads {"hour": 2, "minute": 33}
